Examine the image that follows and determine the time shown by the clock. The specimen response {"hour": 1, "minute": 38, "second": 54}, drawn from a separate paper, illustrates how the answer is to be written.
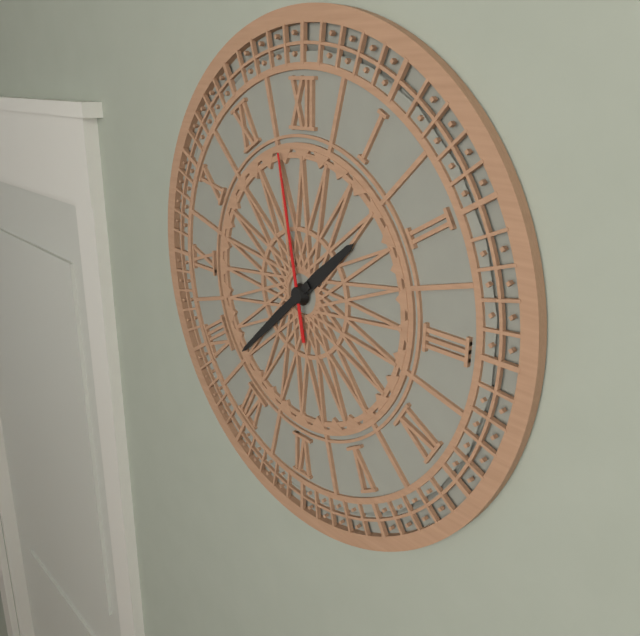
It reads {"hour": 1, "minute": 38, "second": 58}
